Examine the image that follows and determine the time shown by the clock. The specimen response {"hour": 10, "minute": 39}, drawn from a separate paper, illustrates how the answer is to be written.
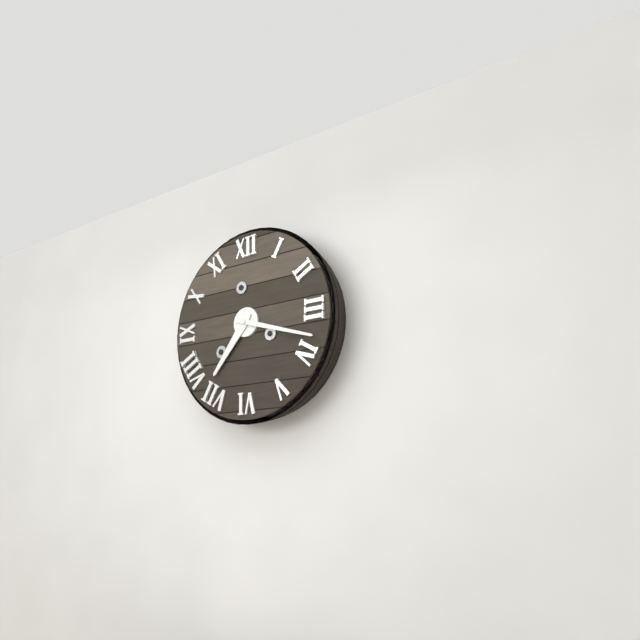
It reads {"hour": 7, "minute": 18}
